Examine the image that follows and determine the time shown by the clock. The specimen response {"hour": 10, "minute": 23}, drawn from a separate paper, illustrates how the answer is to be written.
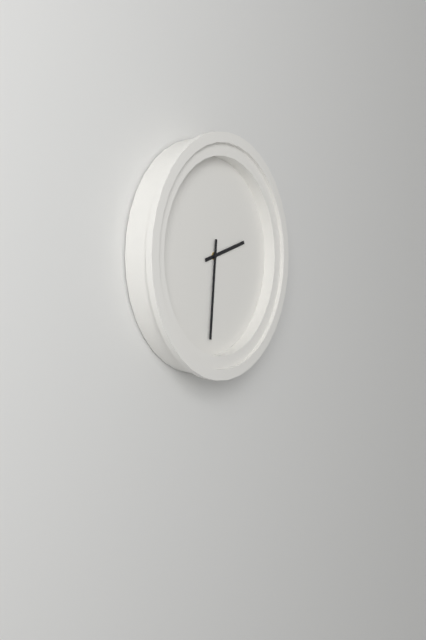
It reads {"hour": 2, "minute": 31}
